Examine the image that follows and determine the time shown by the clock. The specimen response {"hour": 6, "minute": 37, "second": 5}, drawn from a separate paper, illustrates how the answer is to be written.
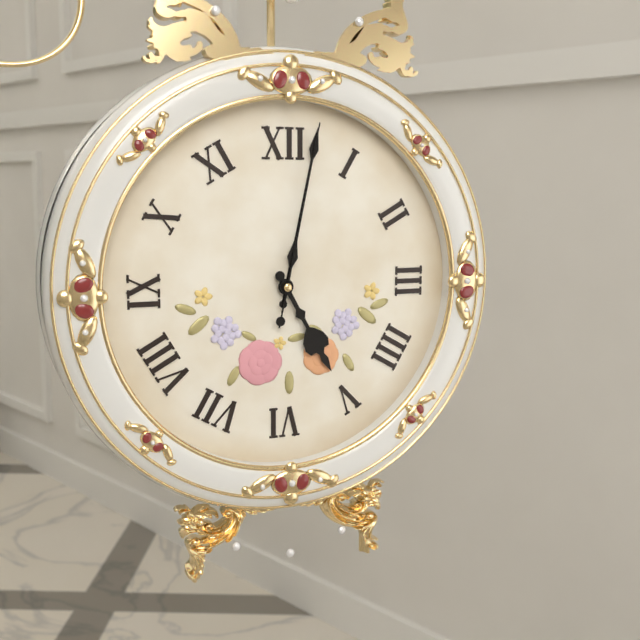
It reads {"hour": 5, "minute": 2, "second": 2}
